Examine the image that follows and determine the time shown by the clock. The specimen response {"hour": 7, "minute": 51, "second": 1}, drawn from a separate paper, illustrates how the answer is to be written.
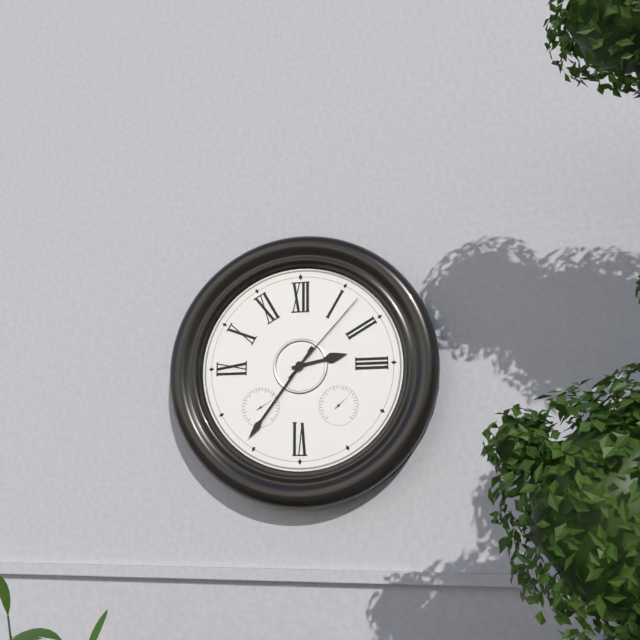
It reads {"hour": 2, "minute": 36, "second": 7}
